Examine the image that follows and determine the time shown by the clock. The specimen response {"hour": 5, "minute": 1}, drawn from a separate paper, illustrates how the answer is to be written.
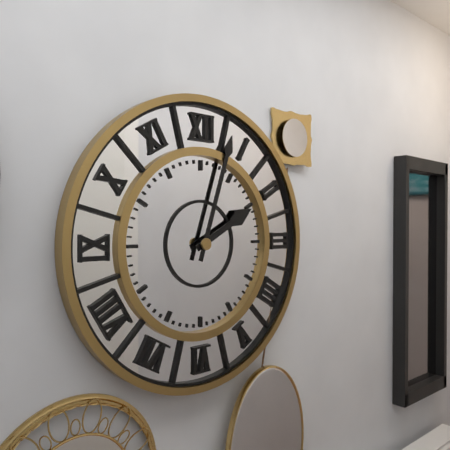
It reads {"hour": 2, "minute": 3}
